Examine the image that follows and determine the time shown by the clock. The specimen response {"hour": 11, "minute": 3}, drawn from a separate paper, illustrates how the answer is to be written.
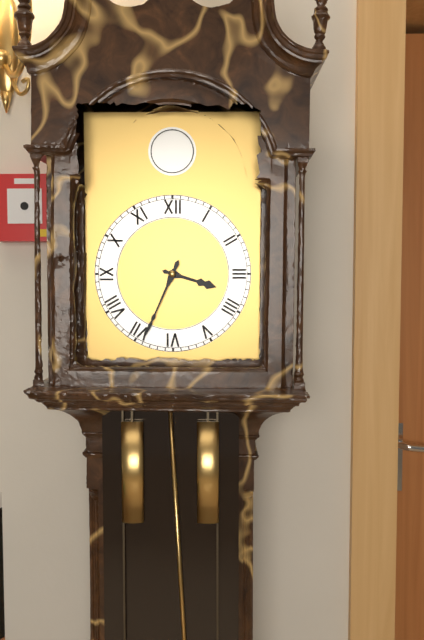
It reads {"hour": 3, "minute": 34}
